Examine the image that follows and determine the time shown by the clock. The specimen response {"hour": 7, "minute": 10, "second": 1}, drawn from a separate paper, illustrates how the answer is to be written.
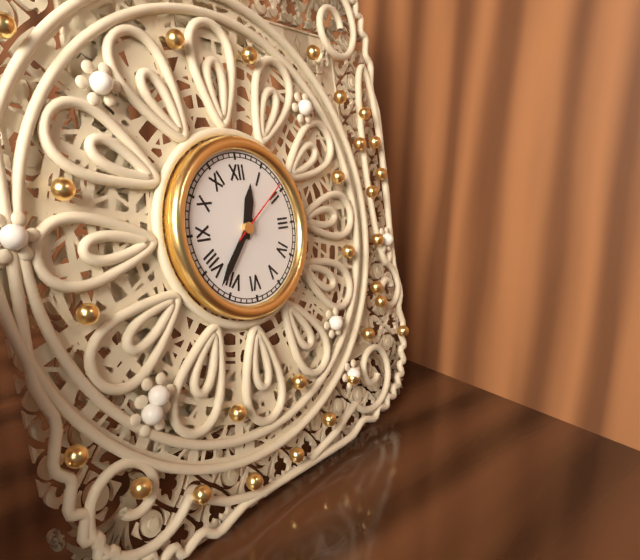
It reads {"hour": 12, "minute": 37, "second": 9}
